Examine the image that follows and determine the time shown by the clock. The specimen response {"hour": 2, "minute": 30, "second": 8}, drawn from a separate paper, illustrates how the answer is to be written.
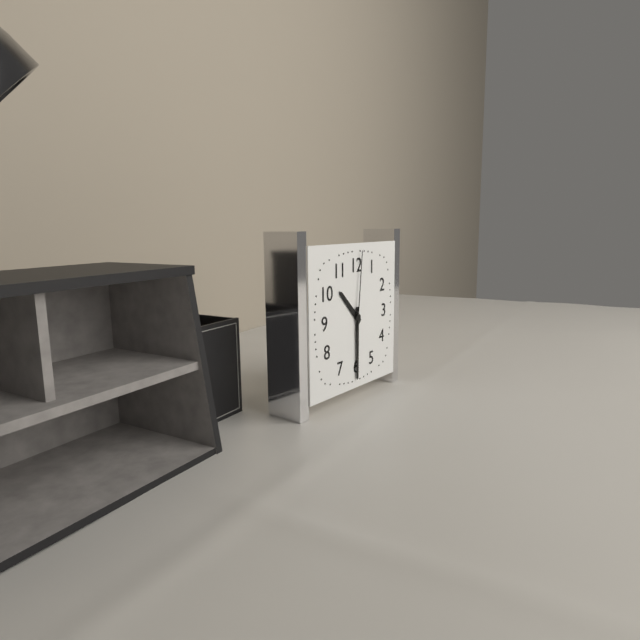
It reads {"hour": 10, "minute": 30, "second": 1}
